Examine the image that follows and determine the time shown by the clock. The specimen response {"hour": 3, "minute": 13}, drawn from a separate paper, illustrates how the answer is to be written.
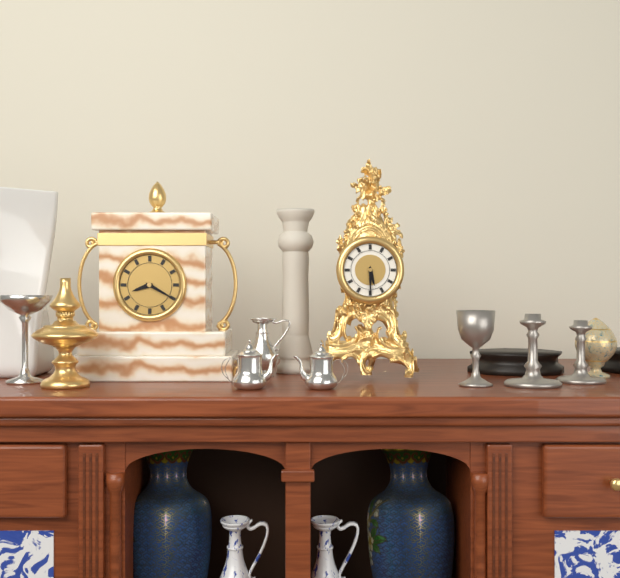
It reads {"hour": 5, "minute": 30}
